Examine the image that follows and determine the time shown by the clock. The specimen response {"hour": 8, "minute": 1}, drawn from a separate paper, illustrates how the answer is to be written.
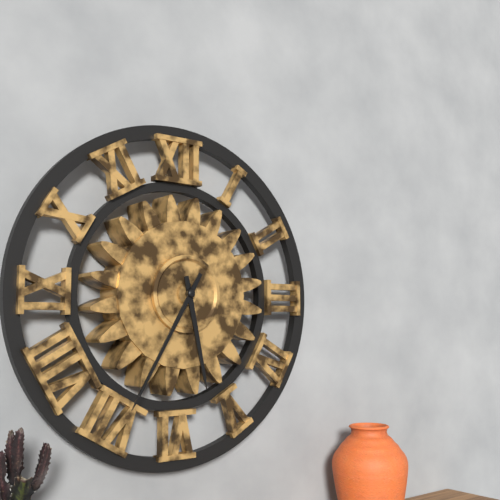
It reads {"hour": 5, "minute": 35}
